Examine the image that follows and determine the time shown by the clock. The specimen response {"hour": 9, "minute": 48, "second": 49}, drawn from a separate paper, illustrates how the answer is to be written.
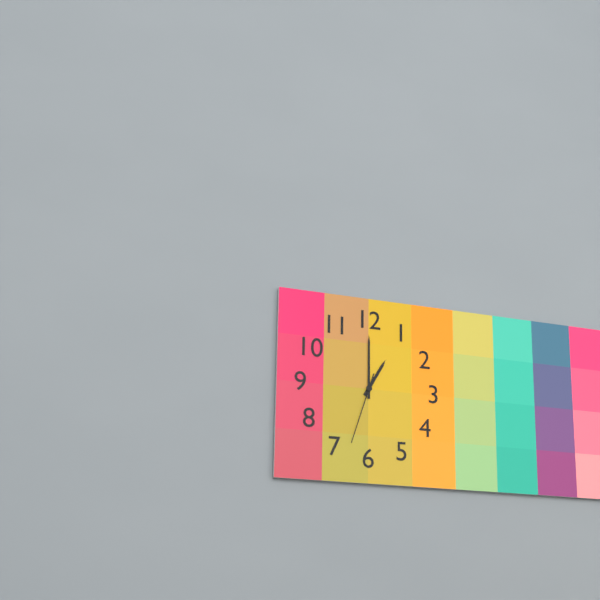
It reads {"hour": 1, "minute": 0, "second": 33}
